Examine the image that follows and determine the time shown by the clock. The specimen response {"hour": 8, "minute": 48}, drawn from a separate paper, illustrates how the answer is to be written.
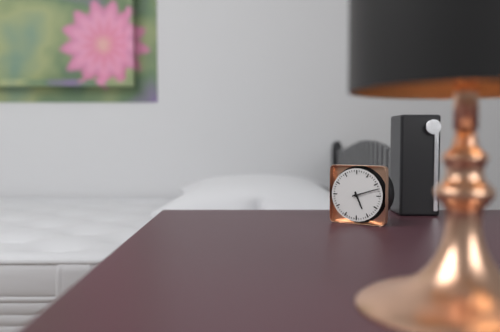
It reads {"hour": 5, "minute": 12}
